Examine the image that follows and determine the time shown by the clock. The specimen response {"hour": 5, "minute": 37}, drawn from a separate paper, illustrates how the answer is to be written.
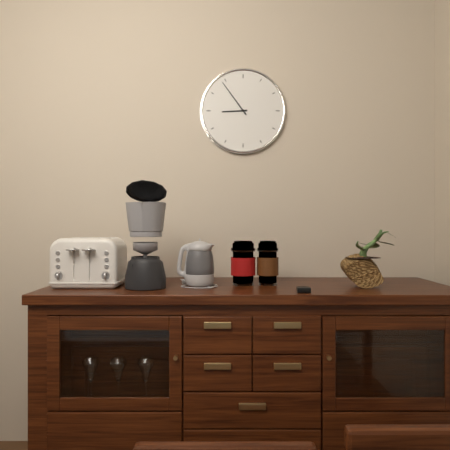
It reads {"hour": 8, "minute": 54}
